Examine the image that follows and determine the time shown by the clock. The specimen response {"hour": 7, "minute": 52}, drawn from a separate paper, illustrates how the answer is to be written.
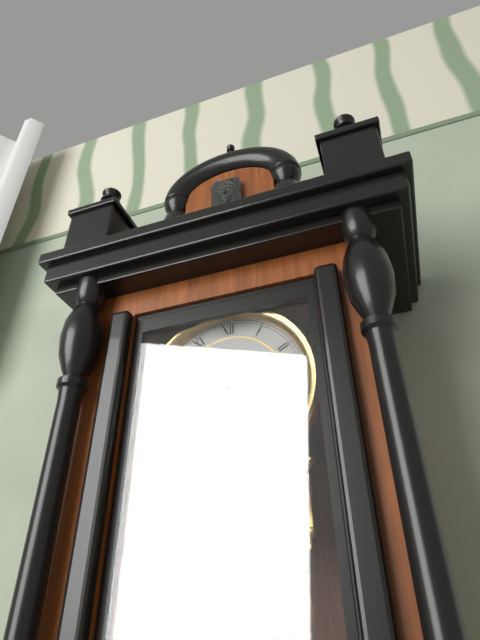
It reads {"hour": 5, "minute": 31}
